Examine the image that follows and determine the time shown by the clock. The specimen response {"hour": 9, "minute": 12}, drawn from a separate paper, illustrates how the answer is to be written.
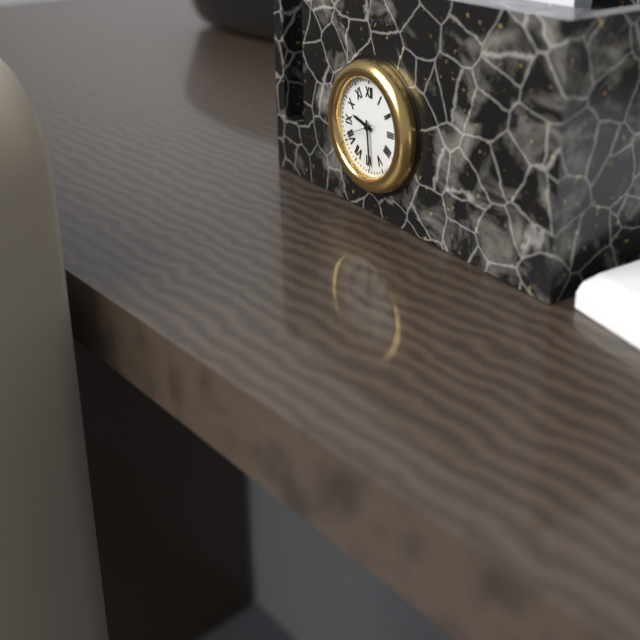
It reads {"hour": 9, "minute": 29}
